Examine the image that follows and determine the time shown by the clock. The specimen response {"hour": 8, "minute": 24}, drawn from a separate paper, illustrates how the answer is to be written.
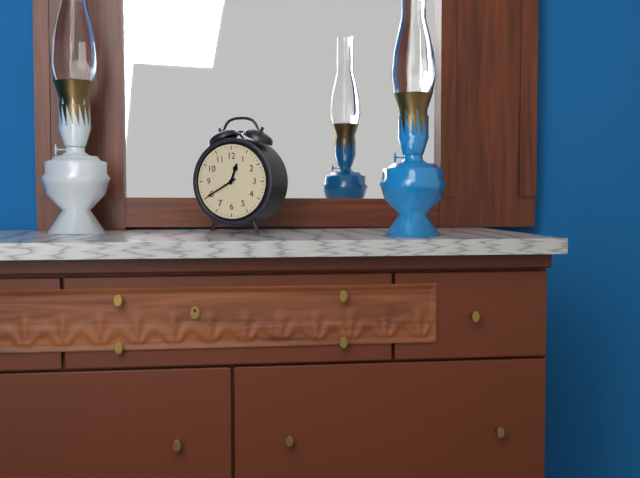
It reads {"hour": 12, "minute": 40}
